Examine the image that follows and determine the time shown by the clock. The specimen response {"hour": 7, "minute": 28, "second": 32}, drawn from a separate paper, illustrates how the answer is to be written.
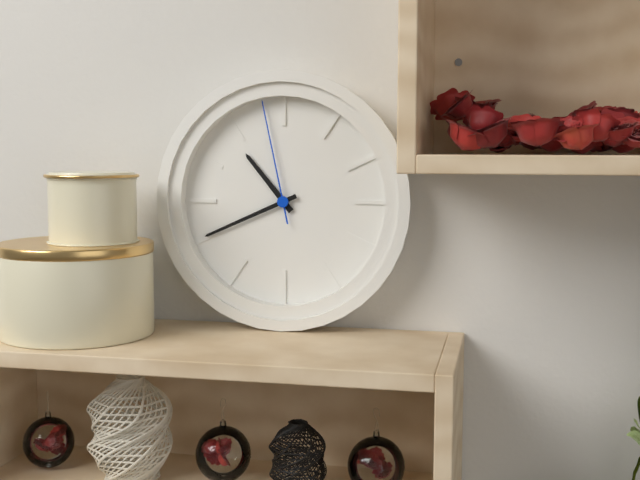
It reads {"hour": 10, "minute": 41, "second": 58}
